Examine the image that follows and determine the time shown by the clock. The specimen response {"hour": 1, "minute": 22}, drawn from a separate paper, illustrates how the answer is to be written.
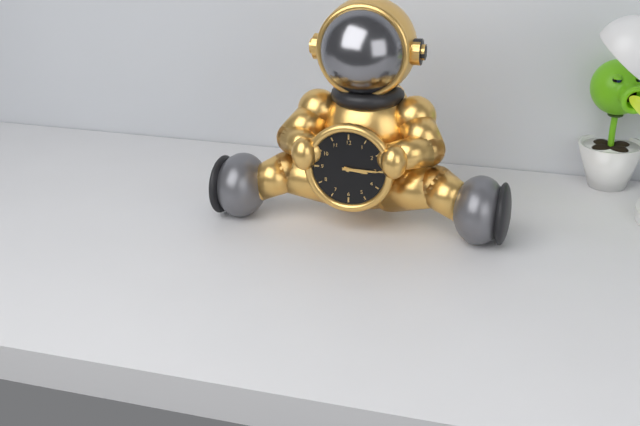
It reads {"hour": 3, "minute": 15}
